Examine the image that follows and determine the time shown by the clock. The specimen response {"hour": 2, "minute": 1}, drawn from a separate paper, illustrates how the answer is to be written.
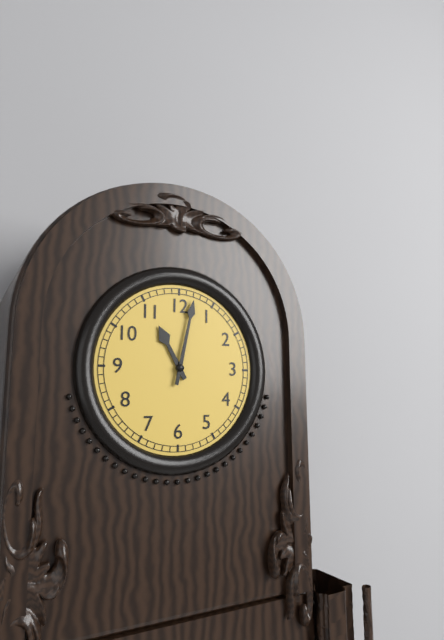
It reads {"hour": 11, "minute": 2}
